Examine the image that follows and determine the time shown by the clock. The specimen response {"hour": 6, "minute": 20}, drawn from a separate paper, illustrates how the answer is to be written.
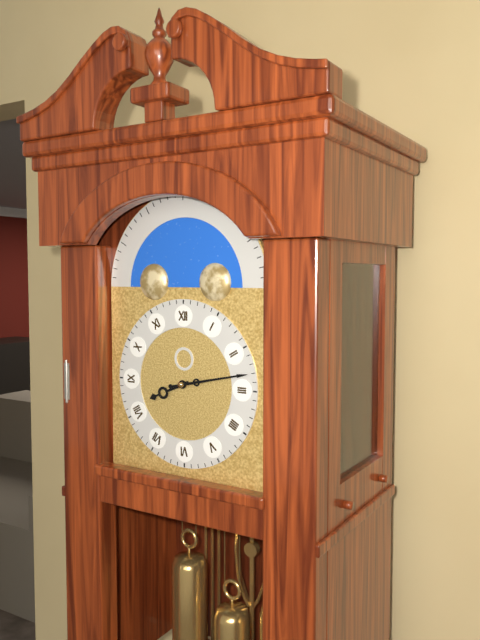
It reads {"hour": 8, "minute": 13}
